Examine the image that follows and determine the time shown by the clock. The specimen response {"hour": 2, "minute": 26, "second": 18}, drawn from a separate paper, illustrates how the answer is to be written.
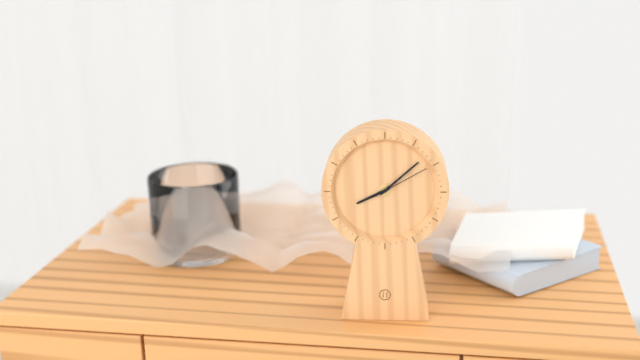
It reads {"hour": 8, "minute": 8, "second": 10}
